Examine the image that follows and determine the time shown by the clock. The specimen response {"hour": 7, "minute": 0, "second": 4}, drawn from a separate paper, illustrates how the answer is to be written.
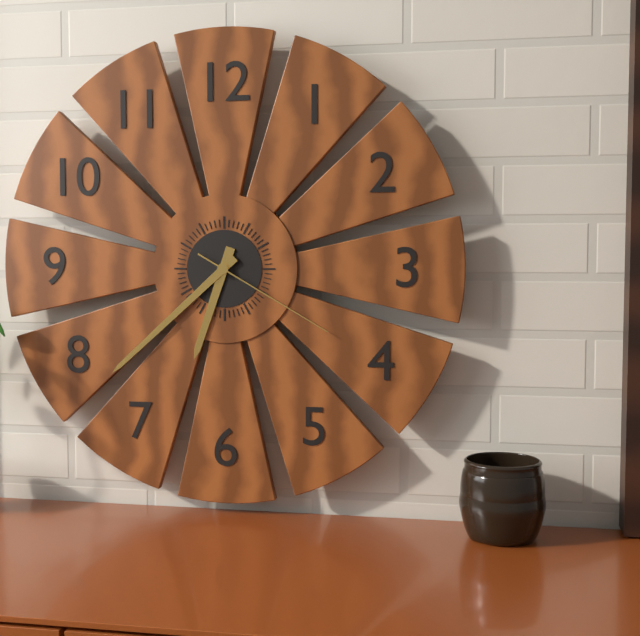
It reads {"hour": 6, "minute": 38, "second": 20}
